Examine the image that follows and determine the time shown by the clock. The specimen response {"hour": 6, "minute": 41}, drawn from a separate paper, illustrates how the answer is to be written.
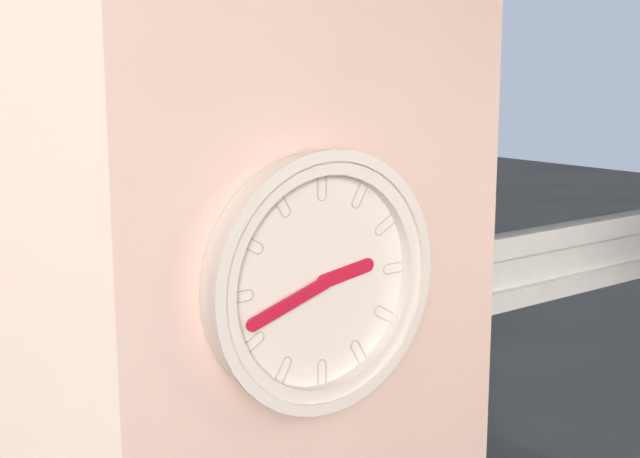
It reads {"hour": 2, "minute": 42}
